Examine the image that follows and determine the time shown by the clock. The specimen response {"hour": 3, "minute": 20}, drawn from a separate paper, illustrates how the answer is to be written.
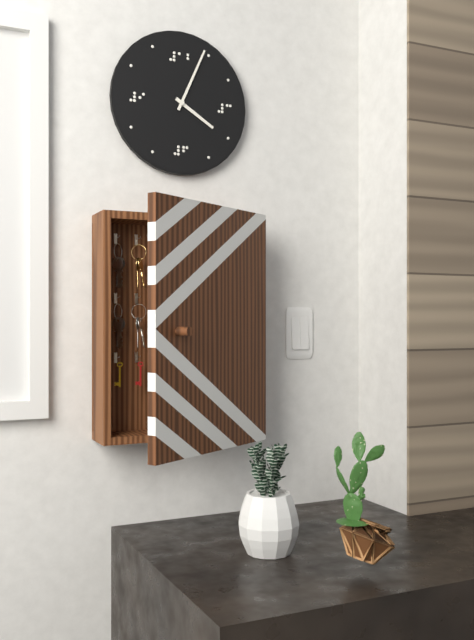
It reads {"hour": 4, "minute": 4}
